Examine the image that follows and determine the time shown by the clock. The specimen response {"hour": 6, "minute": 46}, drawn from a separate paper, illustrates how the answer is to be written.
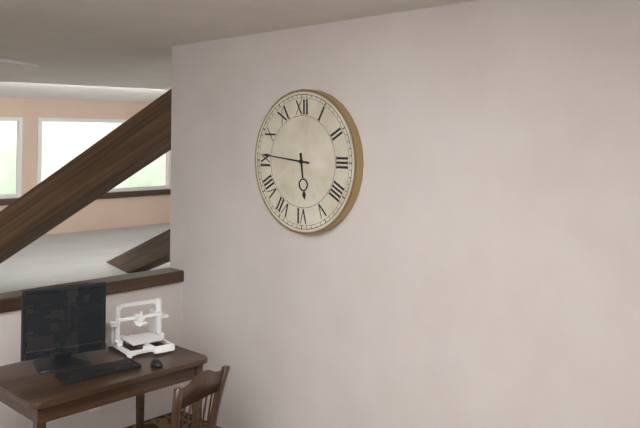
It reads {"hour": 5, "minute": 46}
